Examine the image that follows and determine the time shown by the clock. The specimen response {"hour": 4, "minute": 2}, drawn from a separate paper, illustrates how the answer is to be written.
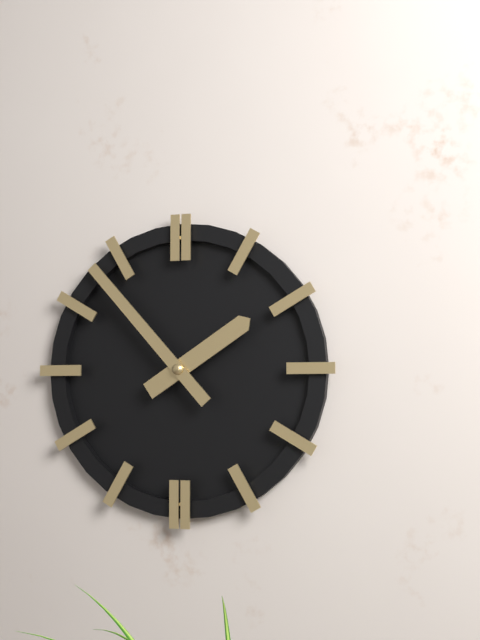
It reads {"hour": 1, "minute": 53}
